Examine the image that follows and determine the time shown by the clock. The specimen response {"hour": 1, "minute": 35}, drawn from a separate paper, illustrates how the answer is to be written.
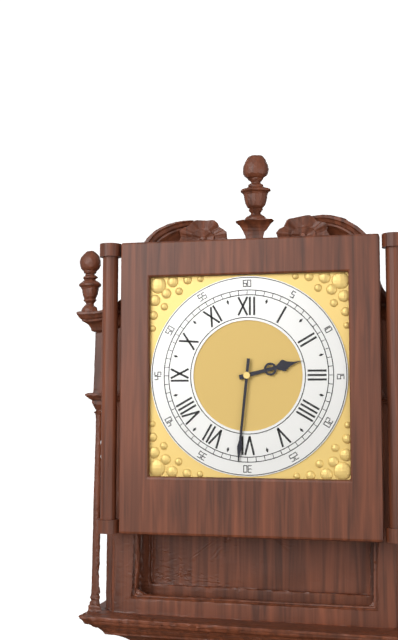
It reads {"hour": 2, "minute": 31}
